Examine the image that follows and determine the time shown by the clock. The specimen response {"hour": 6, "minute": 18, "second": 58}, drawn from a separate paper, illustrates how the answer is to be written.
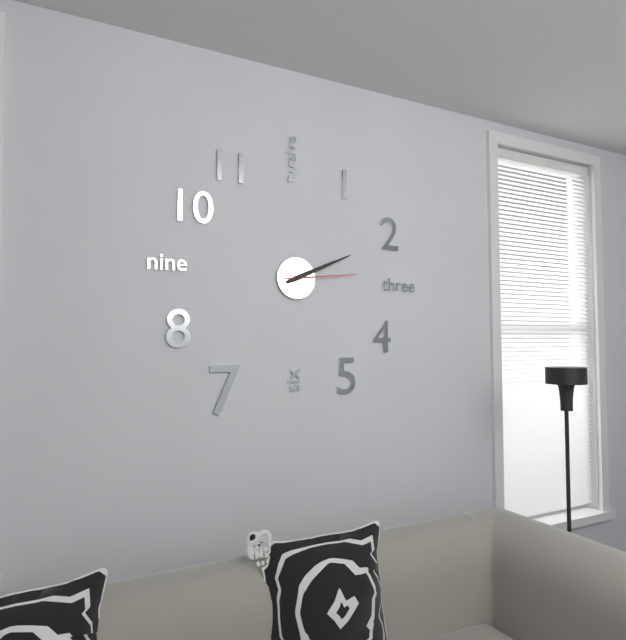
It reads {"hour": 2, "minute": 11, "second": 14}
